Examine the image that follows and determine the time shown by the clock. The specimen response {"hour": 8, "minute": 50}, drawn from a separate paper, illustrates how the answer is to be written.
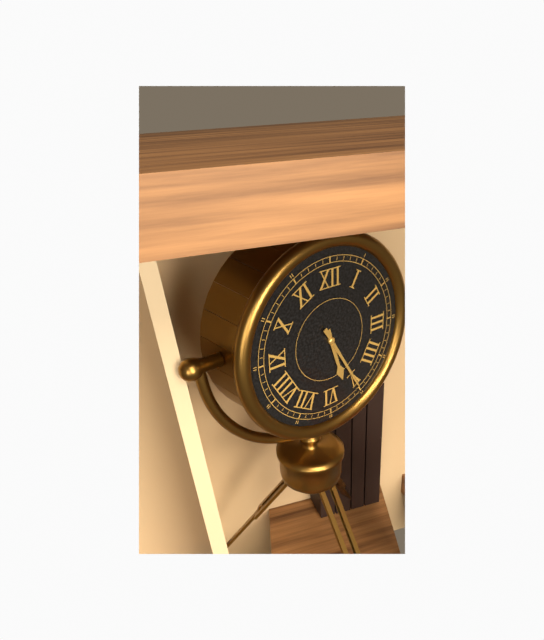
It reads {"hour": 5, "minute": 25}
